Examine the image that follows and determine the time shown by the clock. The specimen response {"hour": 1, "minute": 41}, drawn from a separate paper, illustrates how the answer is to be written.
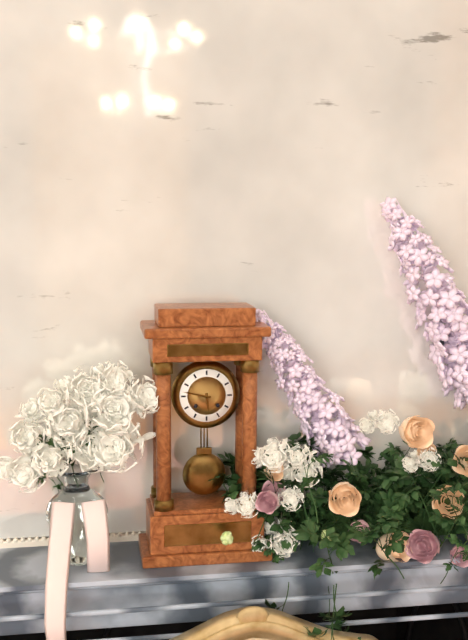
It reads {"hour": 5, "minute": 47}
